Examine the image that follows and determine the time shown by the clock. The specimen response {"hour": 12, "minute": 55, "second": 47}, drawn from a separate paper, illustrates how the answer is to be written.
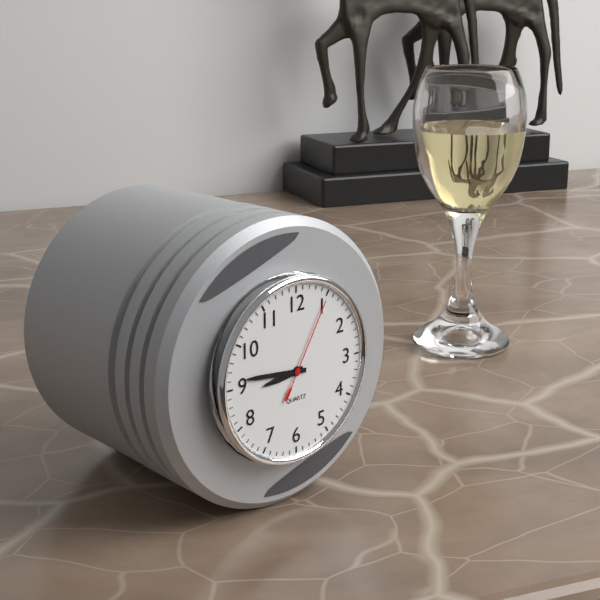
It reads {"hour": 8, "minute": 46, "second": 5}
